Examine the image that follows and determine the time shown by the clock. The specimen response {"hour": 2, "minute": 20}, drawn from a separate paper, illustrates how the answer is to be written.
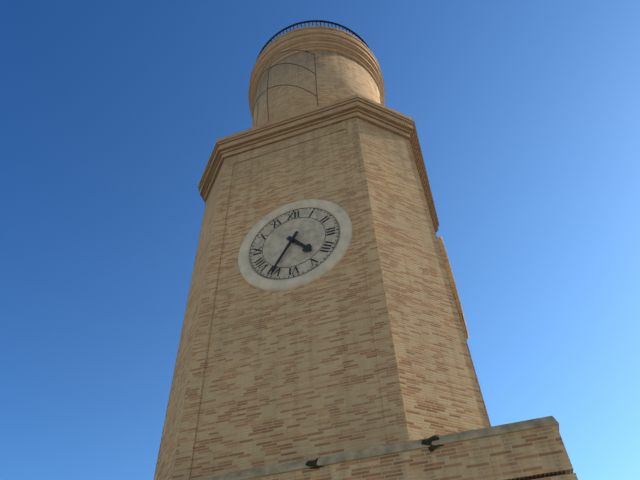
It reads {"hour": 4, "minute": 35}
